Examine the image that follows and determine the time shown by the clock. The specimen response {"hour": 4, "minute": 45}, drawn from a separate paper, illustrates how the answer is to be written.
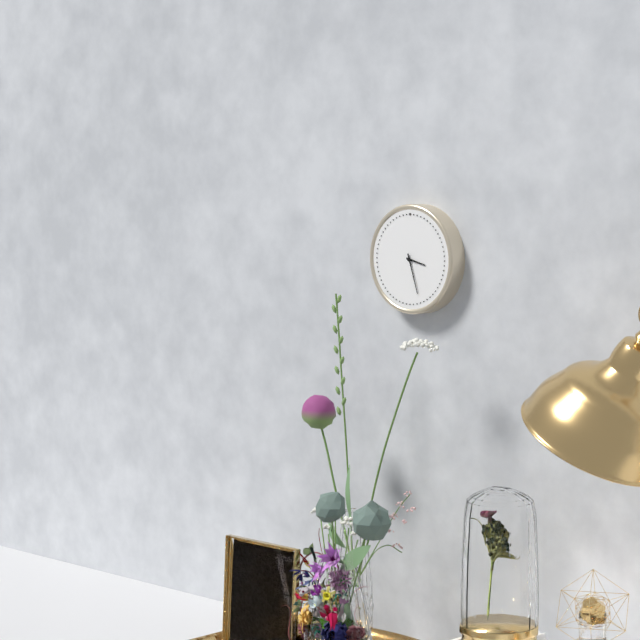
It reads {"hour": 3, "minute": 27}
